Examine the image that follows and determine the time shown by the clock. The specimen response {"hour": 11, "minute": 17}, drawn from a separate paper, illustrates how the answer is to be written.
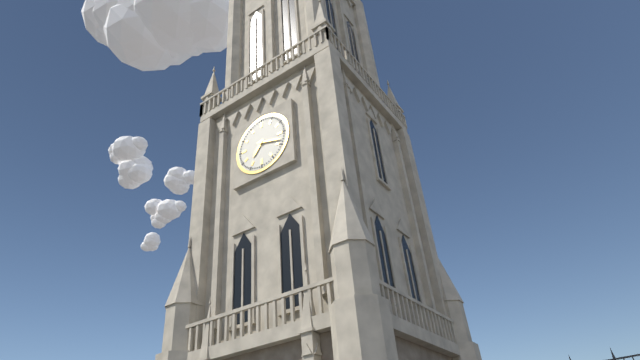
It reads {"hour": 7, "minute": 18}
